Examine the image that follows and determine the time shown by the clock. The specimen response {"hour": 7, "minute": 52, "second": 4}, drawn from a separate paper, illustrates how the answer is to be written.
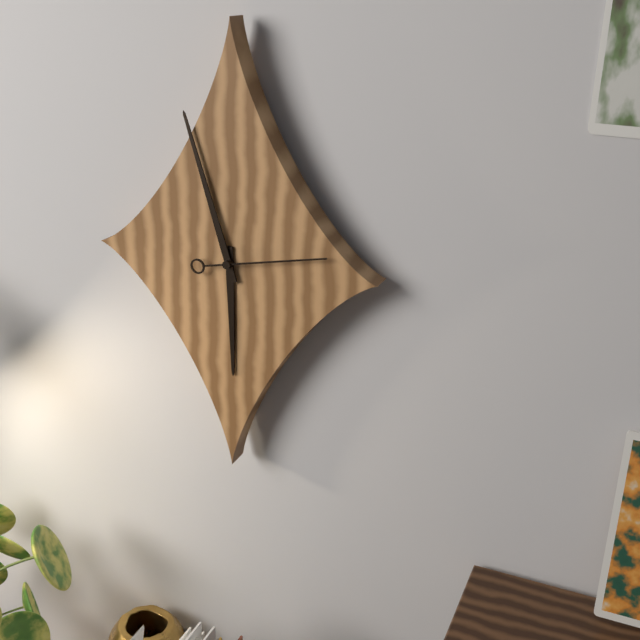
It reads {"hour": 5, "minute": 57, "second": 13}
